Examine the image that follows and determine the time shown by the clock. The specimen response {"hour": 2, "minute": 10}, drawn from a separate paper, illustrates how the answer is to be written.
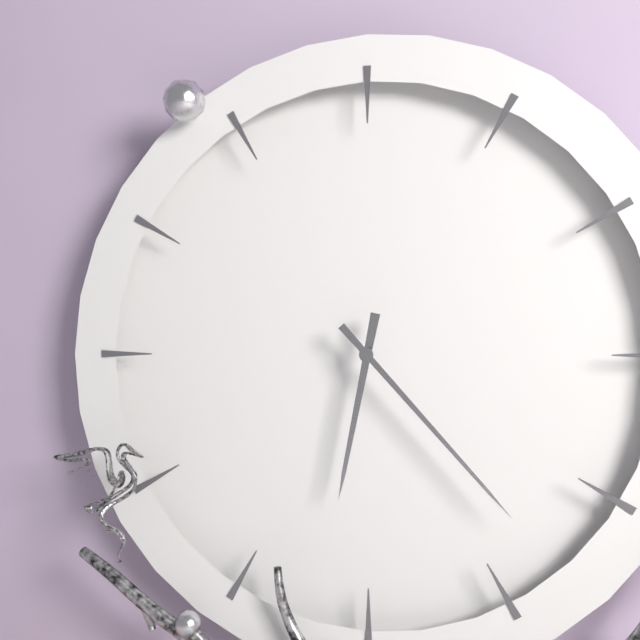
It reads {"hour": 6, "minute": 23}
